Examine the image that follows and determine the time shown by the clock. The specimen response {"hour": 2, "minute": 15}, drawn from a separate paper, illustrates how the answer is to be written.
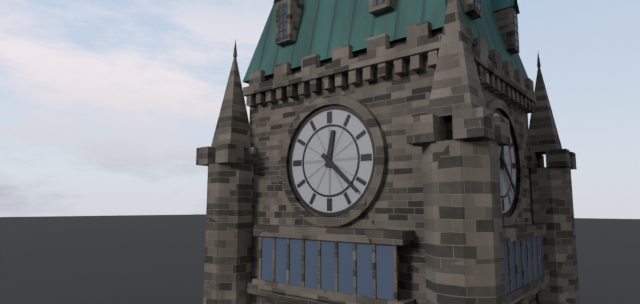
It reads {"hour": 12, "minute": 22}
